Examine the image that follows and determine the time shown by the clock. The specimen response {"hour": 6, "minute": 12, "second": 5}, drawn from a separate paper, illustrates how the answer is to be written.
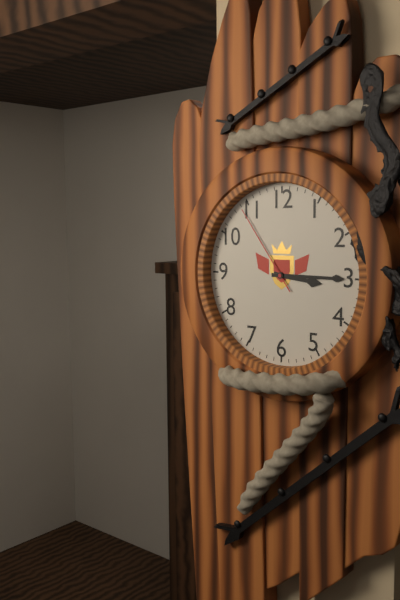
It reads {"hour": 3, "minute": 15, "second": 54}
